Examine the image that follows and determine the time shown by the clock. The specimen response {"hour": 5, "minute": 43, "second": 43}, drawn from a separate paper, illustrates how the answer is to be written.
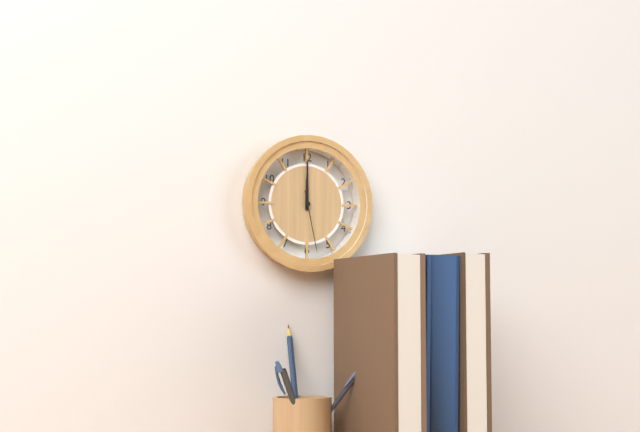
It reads {"hour": 12, "minute": 0, "second": 28}
